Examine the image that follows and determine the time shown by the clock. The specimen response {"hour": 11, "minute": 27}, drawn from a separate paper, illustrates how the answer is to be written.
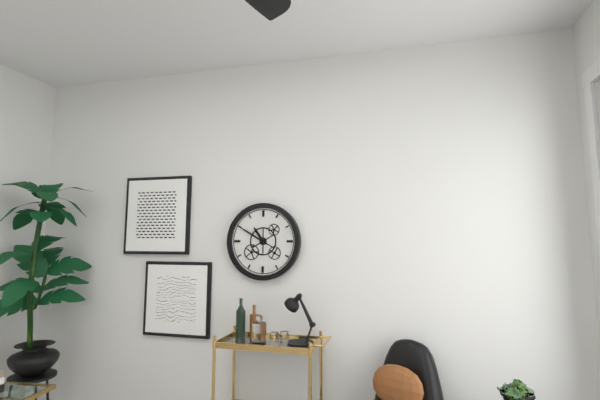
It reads {"hour": 10, "minute": 50}
